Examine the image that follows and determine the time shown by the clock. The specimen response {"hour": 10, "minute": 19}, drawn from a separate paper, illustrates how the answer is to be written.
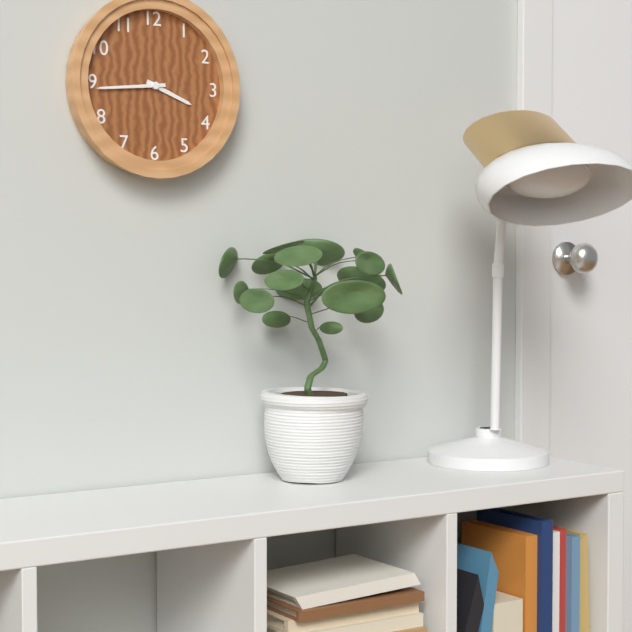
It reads {"hour": 3, "minute": 44}
